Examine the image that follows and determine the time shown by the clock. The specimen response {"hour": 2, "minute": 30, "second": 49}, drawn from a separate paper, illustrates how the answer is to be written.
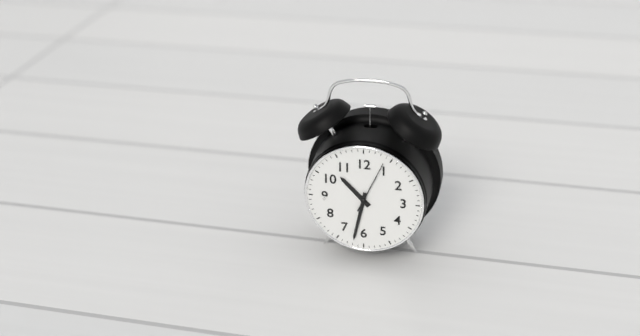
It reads {"hour": 10, "minute": 32, "second": 4}
